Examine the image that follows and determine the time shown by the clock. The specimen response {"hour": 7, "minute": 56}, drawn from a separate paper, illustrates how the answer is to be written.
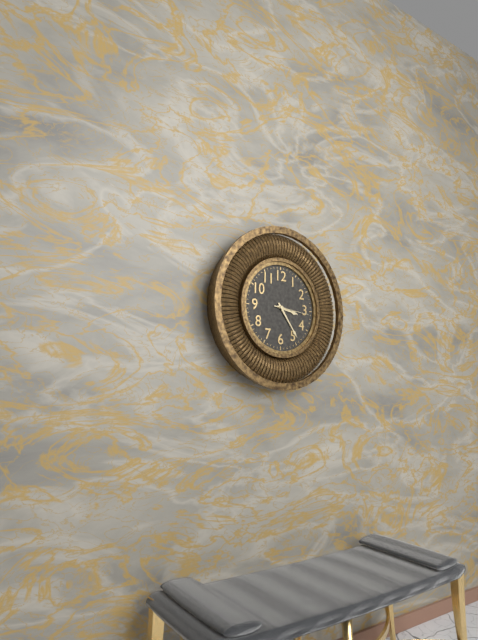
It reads {"hour": 3, "minute": 24}
